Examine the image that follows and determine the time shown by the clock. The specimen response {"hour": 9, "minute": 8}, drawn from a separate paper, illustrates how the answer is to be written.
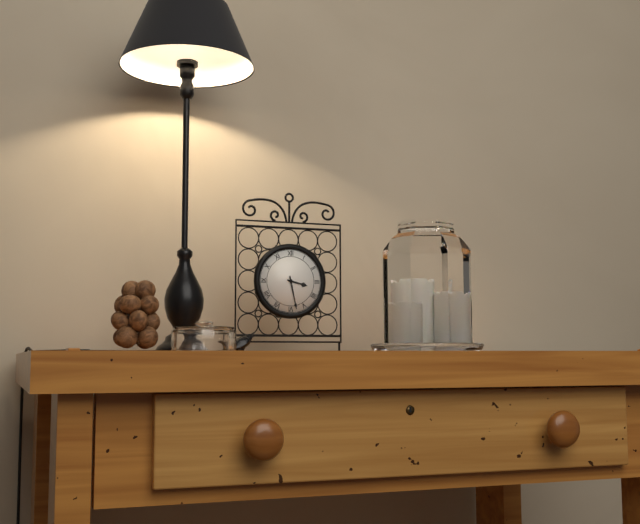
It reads {"hour": 3, "minute": 28}
